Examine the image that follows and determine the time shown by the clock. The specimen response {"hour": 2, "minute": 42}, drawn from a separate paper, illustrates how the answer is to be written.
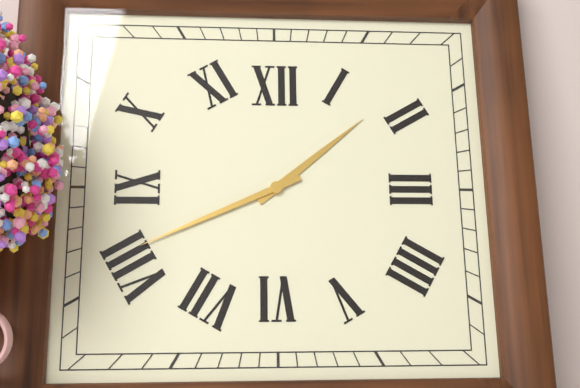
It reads {"hour": 1, "minute": 41}
